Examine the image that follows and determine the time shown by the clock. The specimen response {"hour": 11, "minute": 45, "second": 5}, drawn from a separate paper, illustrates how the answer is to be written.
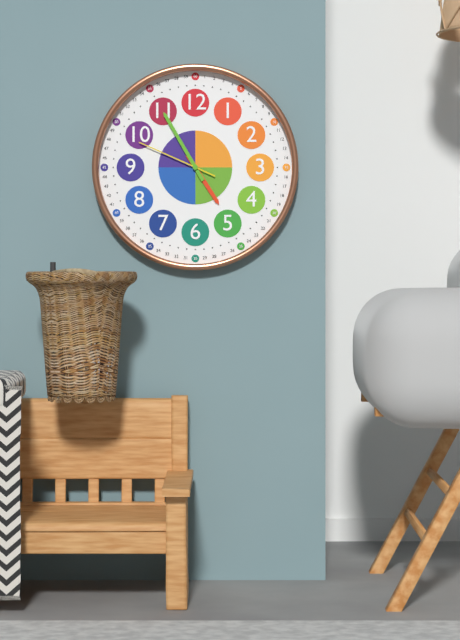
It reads {"hour": 4, "minute": 55, "second": 49}
